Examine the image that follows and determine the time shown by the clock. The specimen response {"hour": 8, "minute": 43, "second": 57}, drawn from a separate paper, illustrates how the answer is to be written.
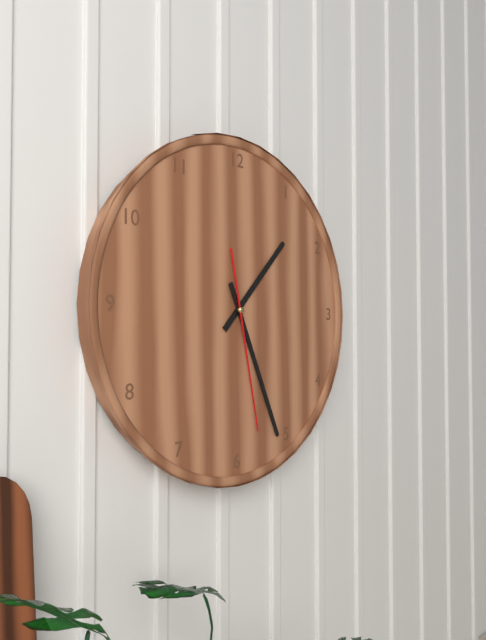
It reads {"hour": 1, "minute": 26, "second": 28}
